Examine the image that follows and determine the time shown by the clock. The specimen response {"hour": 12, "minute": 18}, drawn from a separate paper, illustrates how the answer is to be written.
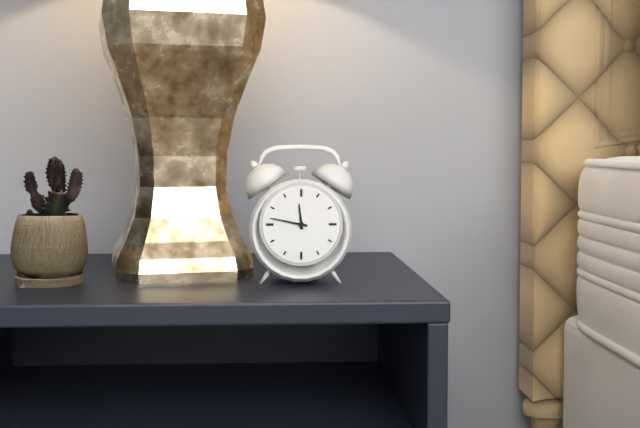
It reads {"hour": 11, "minute": 47}
